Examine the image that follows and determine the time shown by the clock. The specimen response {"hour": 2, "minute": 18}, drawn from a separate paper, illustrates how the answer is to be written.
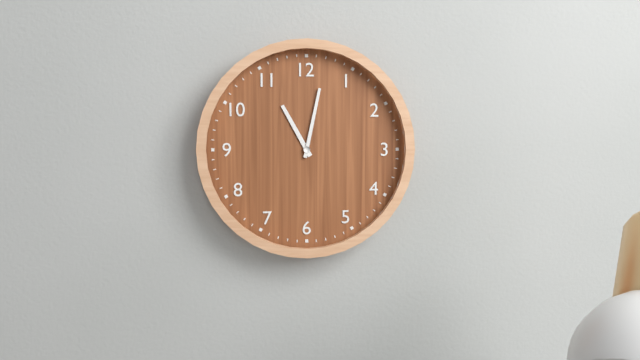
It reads {"hour": 11, "minute": 2}
